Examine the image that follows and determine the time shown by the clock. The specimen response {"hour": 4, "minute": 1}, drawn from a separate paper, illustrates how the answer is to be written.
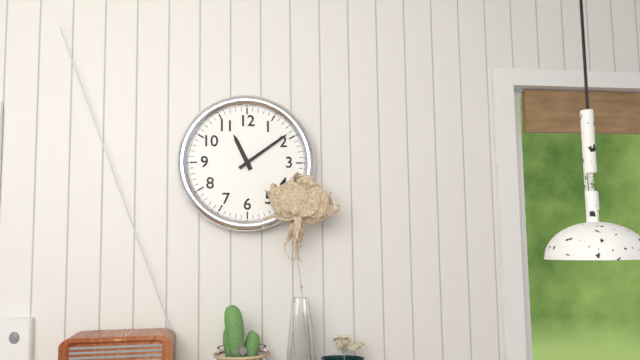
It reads {"hour": 11, "minute": 9}
